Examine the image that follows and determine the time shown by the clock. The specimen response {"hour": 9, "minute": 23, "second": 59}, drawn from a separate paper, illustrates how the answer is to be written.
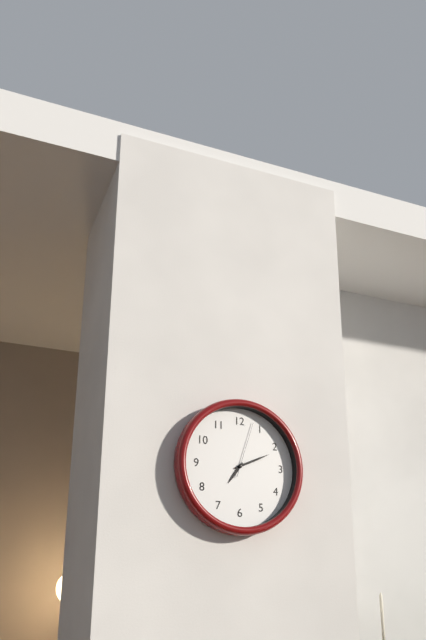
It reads {"hour": 7, "minute": 11, "second": 3}
